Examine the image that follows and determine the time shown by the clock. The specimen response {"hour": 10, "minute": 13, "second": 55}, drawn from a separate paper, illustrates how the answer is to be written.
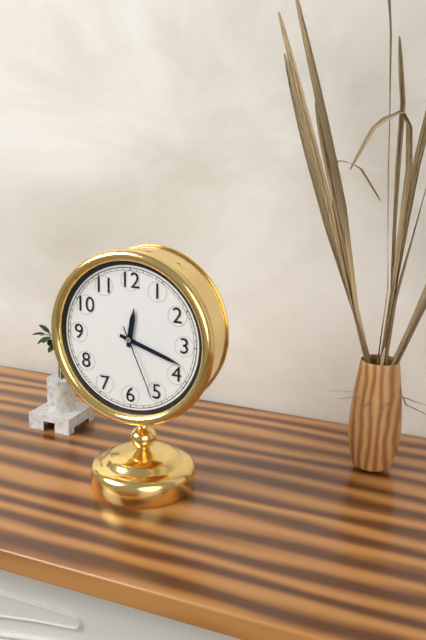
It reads {"hour": 12, "minute": 18, "second": 26}
